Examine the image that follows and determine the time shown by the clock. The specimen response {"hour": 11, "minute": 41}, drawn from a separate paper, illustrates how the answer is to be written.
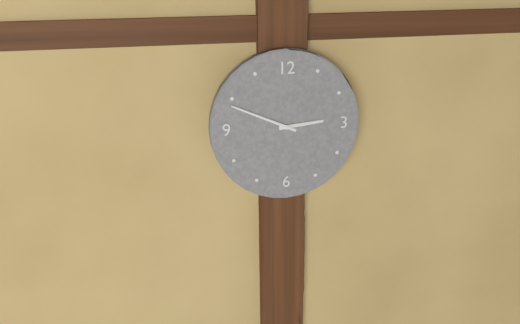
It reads {"hour": 2, "minute": 49}
